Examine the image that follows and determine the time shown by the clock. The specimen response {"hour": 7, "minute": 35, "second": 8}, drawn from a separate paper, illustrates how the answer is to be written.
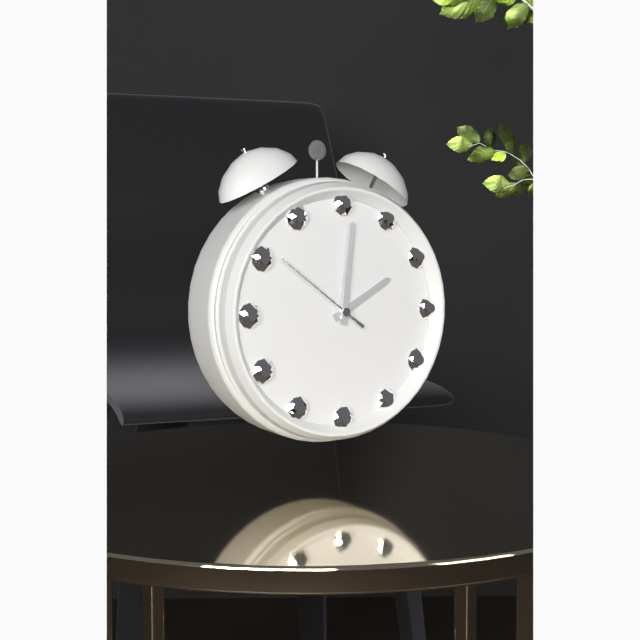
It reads {"hour": 2, "minute": 1, "second": 51}
